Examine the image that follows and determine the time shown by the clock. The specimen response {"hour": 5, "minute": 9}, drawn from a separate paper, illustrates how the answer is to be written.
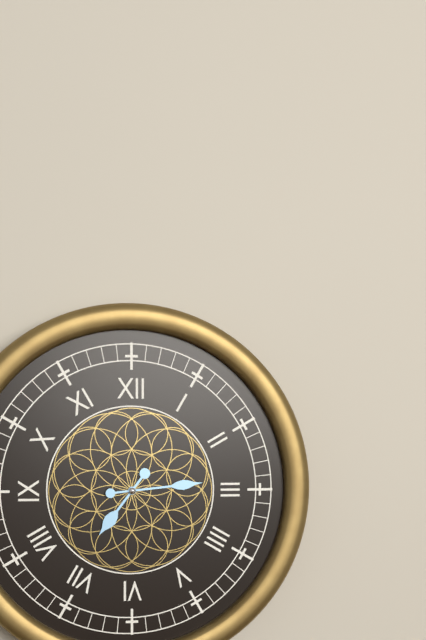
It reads {"hour": 7, "minute": 14}
